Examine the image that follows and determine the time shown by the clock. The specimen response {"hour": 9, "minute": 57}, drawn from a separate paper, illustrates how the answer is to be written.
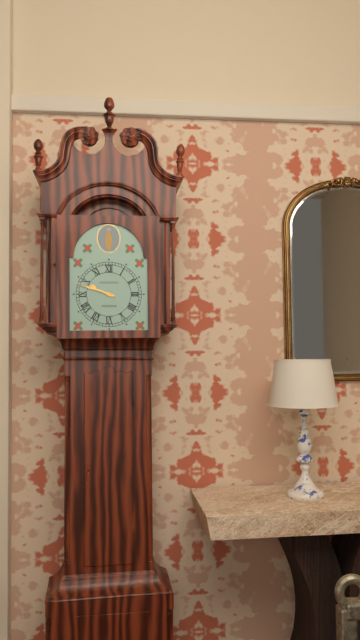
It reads {"hour": 9, "minute": 48}
